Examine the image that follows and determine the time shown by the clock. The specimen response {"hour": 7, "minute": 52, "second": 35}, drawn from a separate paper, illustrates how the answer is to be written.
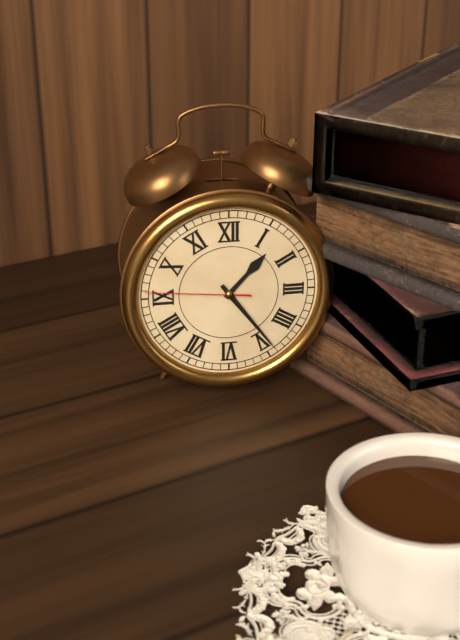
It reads {"hour": 1, "minute": 24, "second": 46}
